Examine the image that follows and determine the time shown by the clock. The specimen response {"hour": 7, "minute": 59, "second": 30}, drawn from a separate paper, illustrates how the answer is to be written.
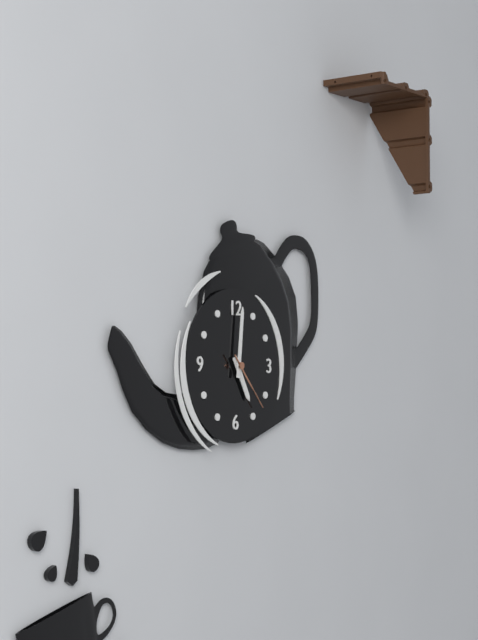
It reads {"hour": 5, "minute": 1, "second": 23}
